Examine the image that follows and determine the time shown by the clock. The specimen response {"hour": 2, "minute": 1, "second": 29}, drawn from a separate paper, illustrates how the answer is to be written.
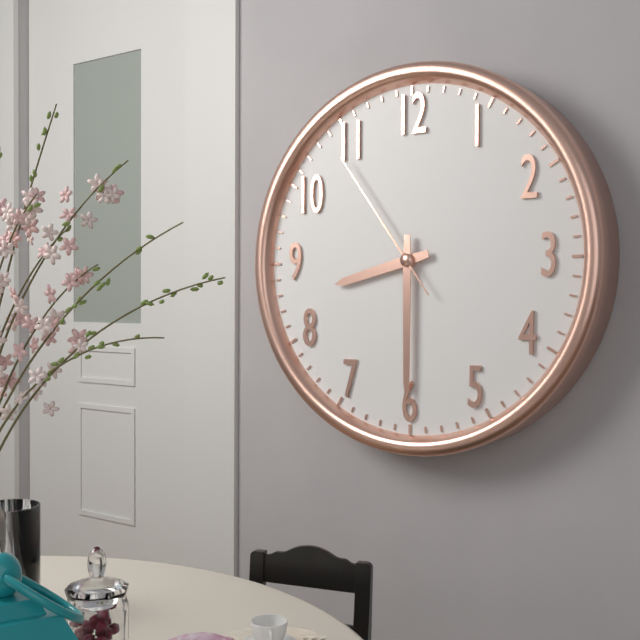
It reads {"hour": 8, "minute": 30, "second": 54}
